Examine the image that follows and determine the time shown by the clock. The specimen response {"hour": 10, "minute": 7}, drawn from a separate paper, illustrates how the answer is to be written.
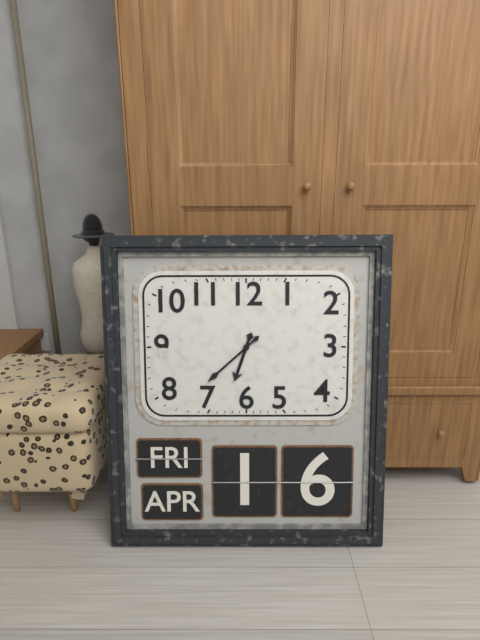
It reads {"hour": 6, "minute": 38}
